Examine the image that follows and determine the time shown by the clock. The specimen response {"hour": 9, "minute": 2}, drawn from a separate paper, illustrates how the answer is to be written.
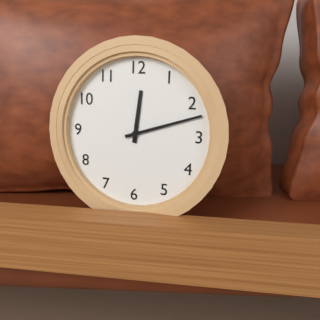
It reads {"hour": 12, "minute": 12}
